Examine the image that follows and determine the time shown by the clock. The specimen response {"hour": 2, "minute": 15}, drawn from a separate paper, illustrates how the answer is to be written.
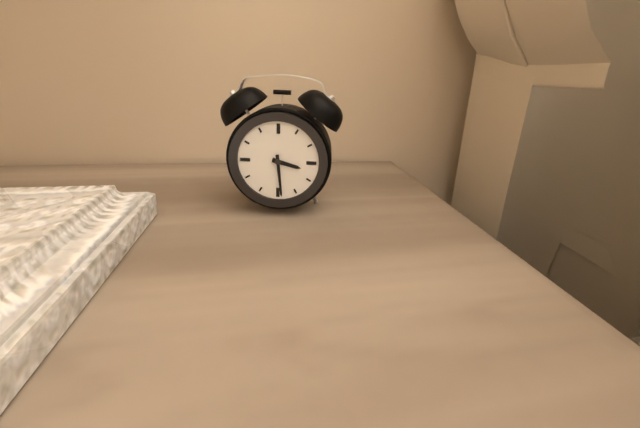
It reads {"hour": 3, "minute": 29}
